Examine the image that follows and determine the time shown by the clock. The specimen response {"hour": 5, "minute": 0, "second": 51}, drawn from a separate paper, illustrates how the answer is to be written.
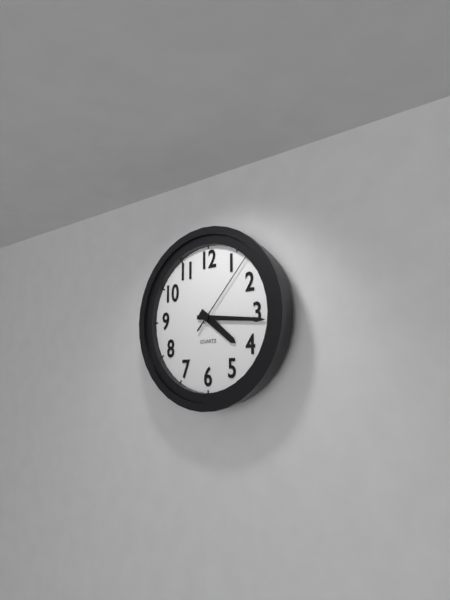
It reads {"hour": 4, "minute": 16, "second": 7}
